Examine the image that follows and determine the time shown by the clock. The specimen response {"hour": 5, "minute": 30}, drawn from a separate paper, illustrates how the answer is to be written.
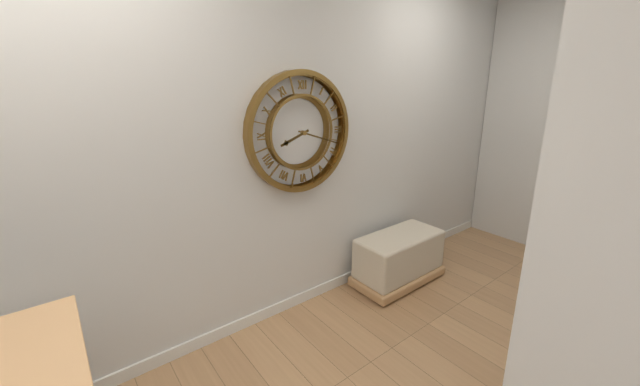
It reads {"hour": 8, "minute": 18}
